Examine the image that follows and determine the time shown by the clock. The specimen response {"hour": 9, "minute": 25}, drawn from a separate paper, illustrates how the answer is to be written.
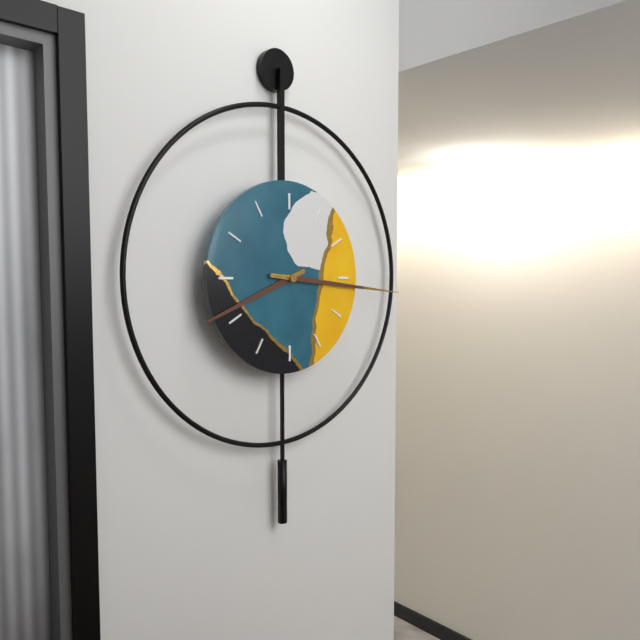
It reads {"hour": 8, "minute": 16}
